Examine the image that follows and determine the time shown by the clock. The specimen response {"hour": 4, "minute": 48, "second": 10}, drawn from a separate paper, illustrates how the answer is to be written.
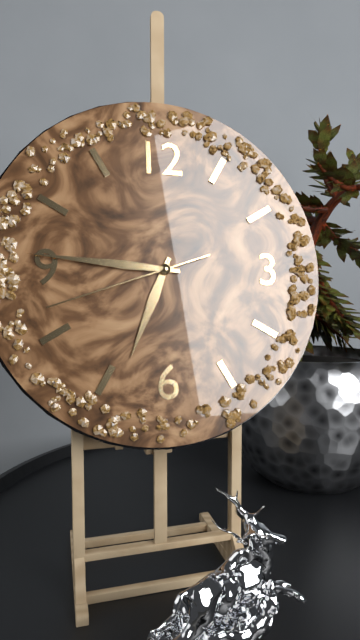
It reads {"hour": 6, "minute": 46, "second": 42}
